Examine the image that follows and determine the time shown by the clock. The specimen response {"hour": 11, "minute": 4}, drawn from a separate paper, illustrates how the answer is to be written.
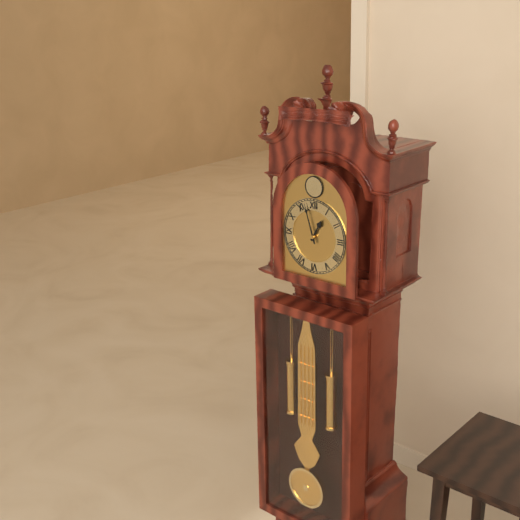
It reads {"hour": 12, "minute": 57}
